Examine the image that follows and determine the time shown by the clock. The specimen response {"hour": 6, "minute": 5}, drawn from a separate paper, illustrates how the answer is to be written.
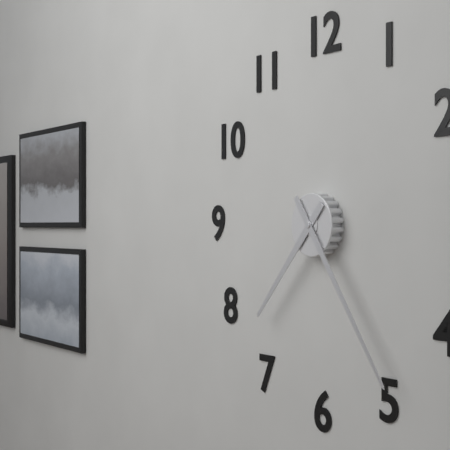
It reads {"hour": 7, "minute": 24}
